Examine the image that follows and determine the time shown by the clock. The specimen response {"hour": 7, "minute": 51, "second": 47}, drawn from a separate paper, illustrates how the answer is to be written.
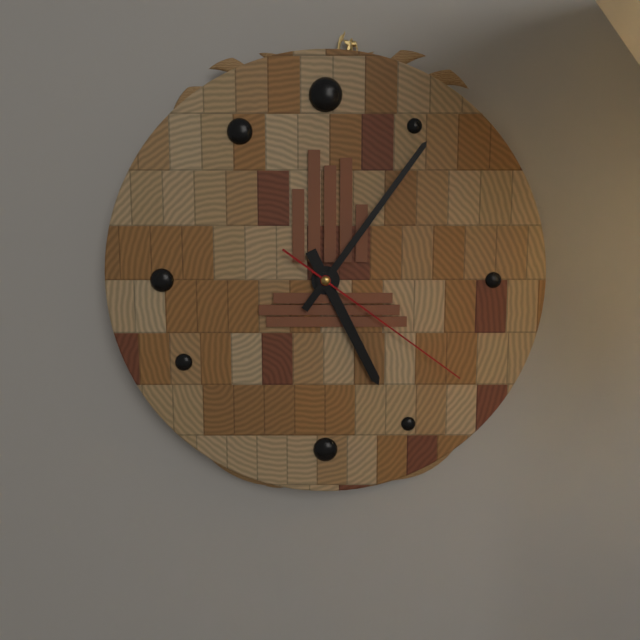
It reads {"hour": 5, "minute": 6, "second": 21}
